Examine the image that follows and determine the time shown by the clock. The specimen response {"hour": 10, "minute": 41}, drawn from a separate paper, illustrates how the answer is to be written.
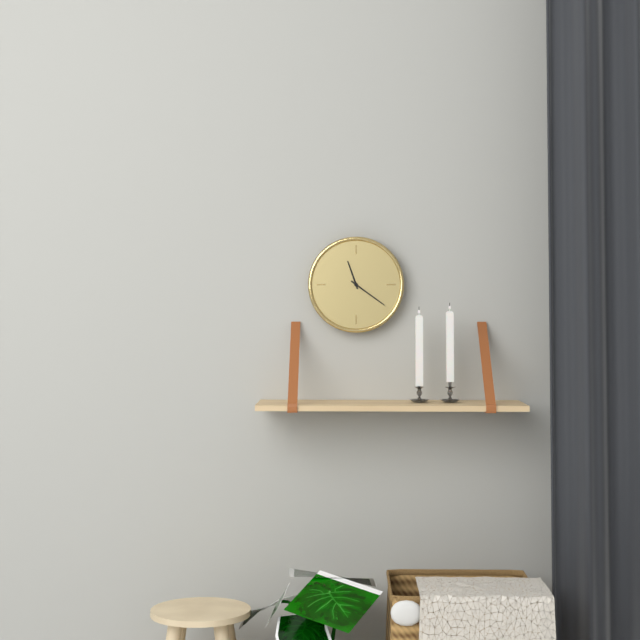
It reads {"hour": 11, "minute": 21}
